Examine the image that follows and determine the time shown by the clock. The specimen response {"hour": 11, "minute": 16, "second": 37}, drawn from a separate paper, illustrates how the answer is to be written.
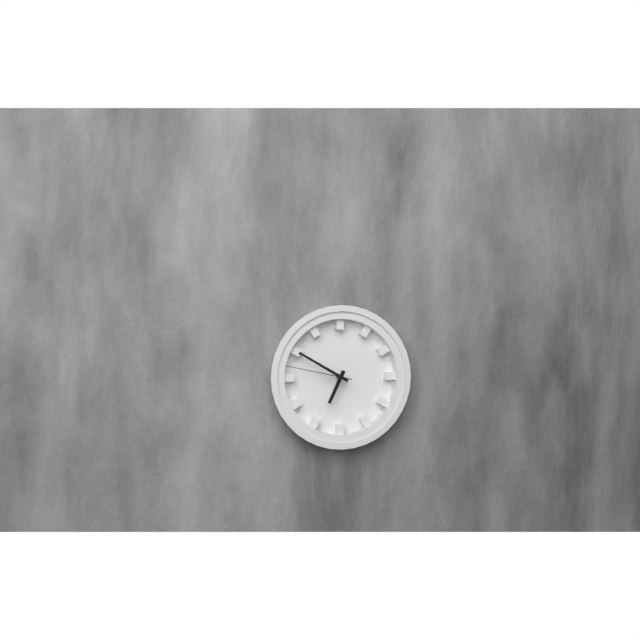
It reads {"hour": 6, "minute": 50, "second": 47}
